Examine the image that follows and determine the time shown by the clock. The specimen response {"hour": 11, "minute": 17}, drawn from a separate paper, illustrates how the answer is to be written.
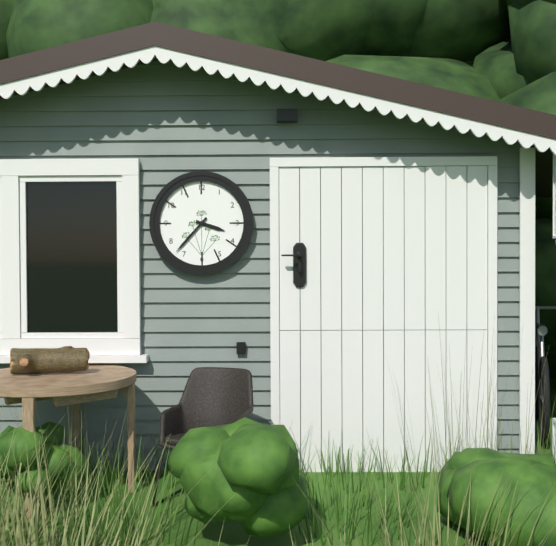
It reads {"hour": 3, "minute": 37}
